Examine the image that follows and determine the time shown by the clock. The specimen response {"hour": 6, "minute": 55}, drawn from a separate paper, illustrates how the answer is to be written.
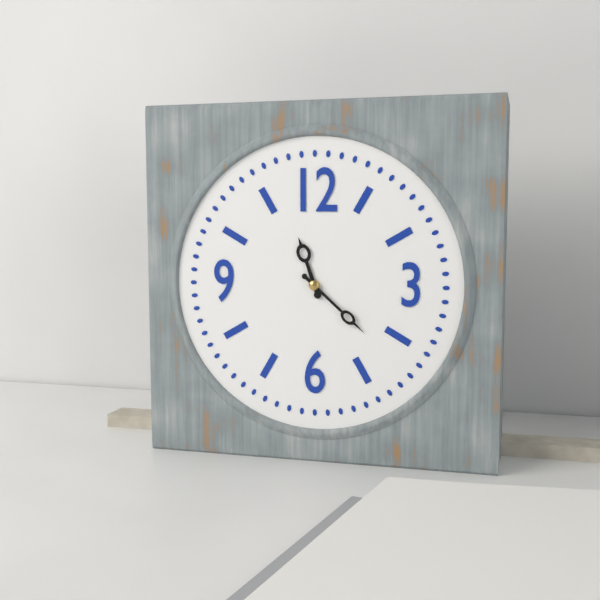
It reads {"hour": 11, "minute": 22}
